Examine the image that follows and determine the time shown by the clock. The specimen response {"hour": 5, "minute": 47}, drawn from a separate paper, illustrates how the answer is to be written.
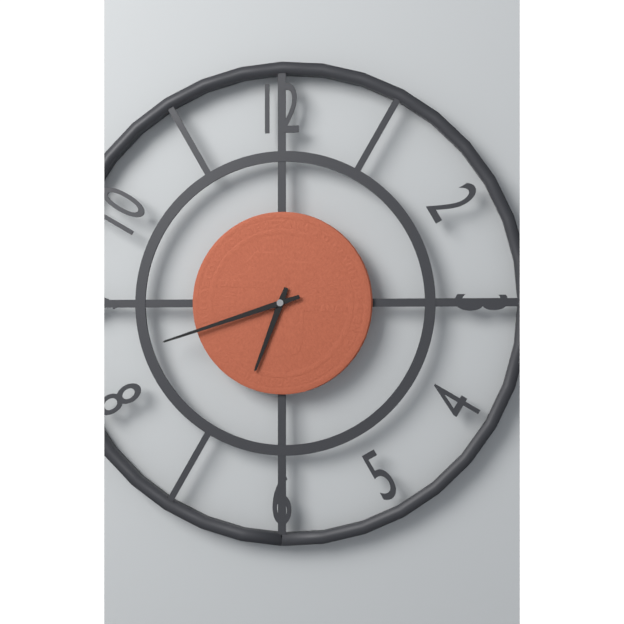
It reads {"hour": 6, "minute": 42}
